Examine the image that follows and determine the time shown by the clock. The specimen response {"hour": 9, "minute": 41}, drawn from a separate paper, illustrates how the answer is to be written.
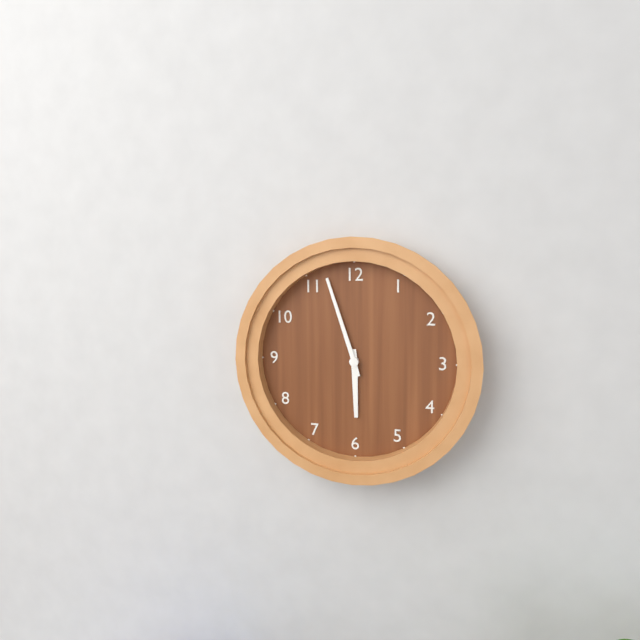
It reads {"hour": 5, "minute": 57}
